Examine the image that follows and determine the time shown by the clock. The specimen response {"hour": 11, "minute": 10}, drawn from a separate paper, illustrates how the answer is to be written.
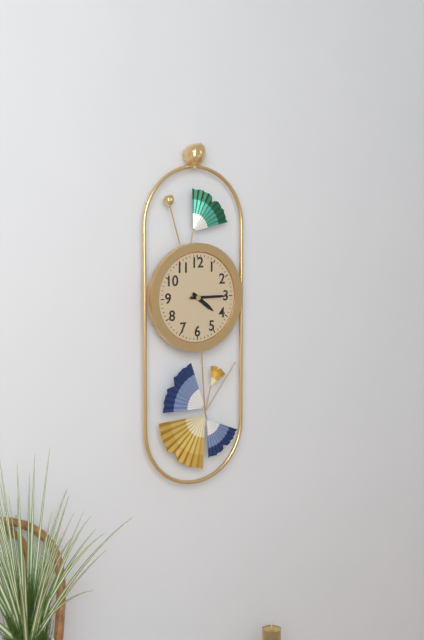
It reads {"hour": 4, "minute": 15}
